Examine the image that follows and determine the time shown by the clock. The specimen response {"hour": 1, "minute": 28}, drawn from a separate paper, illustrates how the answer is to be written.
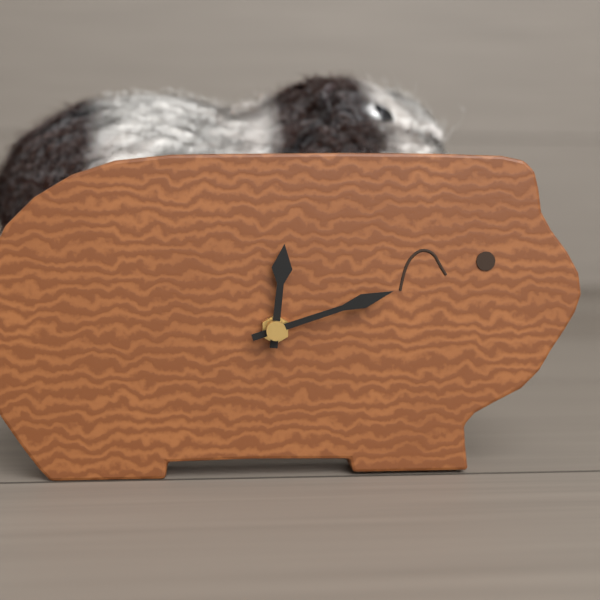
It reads {"hour": 12, "minute": 12}
